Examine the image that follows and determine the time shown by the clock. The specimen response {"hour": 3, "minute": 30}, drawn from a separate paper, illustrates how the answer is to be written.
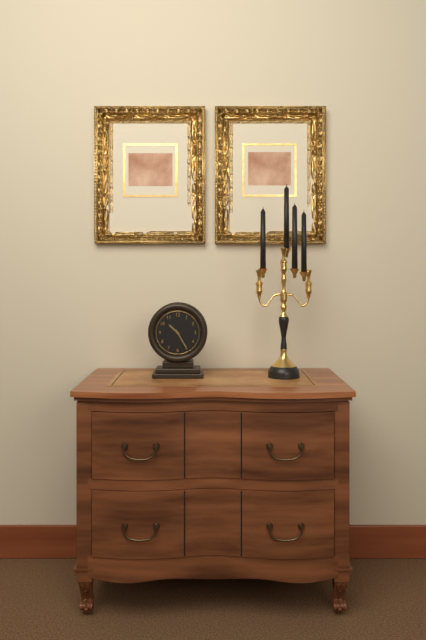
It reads {"hour": 10, "minute": 25}
